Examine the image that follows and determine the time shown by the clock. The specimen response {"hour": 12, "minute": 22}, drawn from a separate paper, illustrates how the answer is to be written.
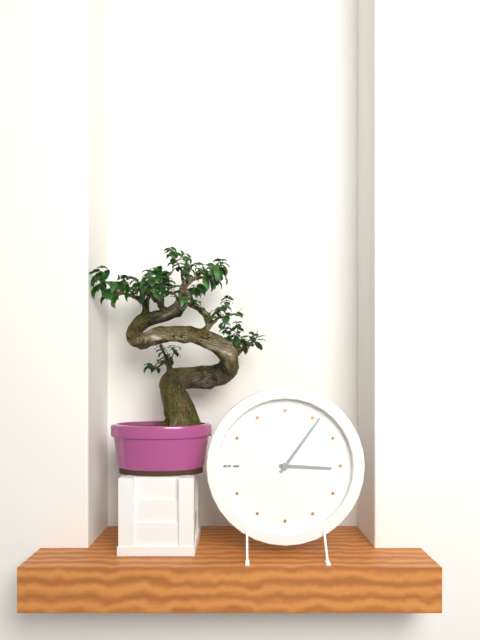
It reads {"hour": 3, "minute": 6}
